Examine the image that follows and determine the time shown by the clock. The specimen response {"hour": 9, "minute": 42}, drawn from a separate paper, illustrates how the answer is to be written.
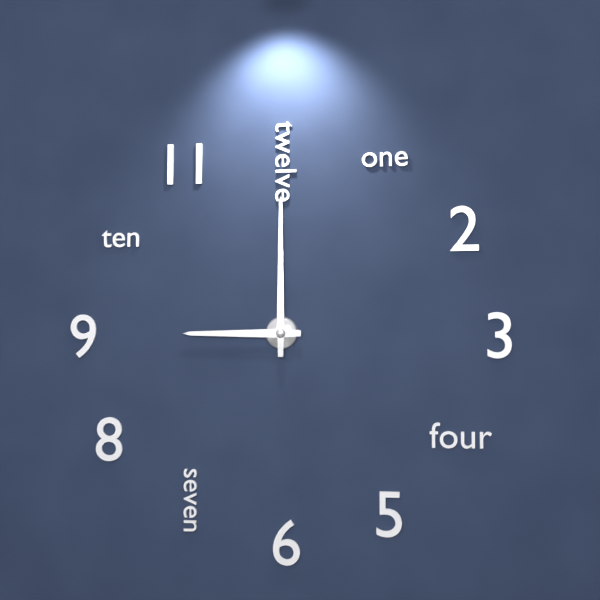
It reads {"hour": 9, "minute": 0}
